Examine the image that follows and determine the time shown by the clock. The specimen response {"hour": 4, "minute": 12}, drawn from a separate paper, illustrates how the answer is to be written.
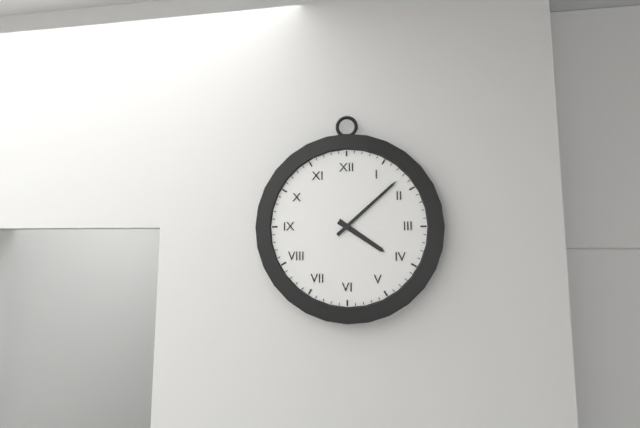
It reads {"hour": 4, "minute": 8}
